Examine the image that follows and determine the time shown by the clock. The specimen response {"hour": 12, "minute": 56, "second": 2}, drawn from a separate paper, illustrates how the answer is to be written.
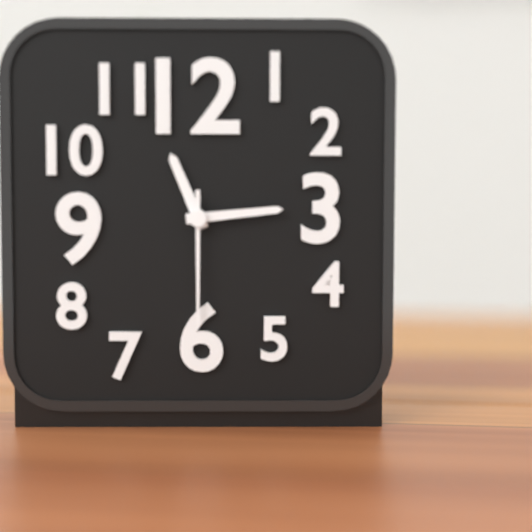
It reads {"hour": 11, "minute": 14, "second": 30}
